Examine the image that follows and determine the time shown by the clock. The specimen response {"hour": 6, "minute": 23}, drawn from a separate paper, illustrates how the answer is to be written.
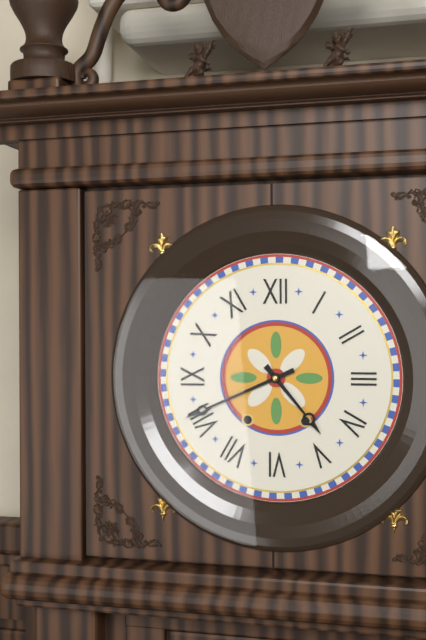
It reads {"hour": 4, "minute": 41}
